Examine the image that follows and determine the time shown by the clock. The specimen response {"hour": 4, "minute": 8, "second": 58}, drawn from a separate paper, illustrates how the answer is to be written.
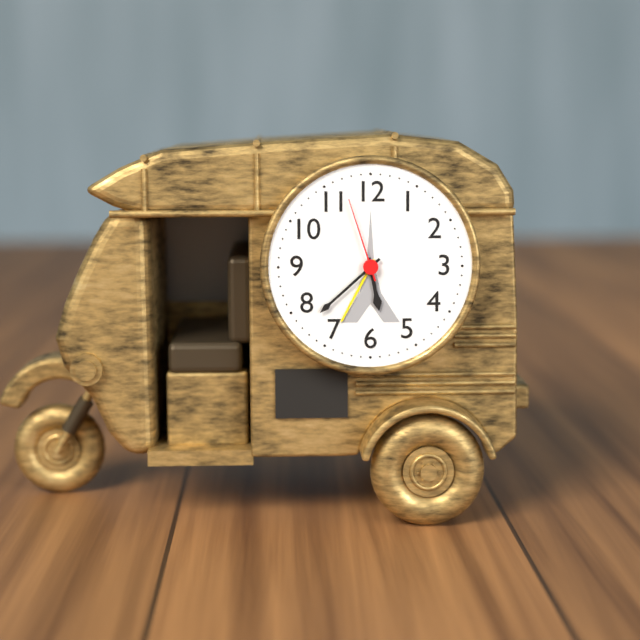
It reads {"hour": 5, "minute": 38, "second": 57}
